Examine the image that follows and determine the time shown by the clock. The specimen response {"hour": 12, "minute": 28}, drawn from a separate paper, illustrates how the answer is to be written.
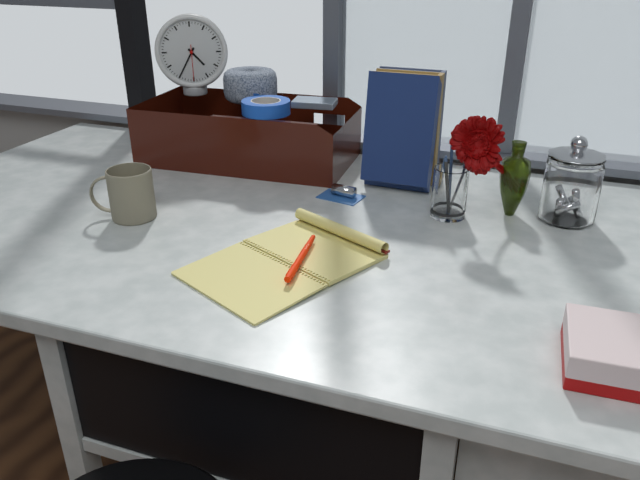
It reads {"hour": 4, "minute": 35}
